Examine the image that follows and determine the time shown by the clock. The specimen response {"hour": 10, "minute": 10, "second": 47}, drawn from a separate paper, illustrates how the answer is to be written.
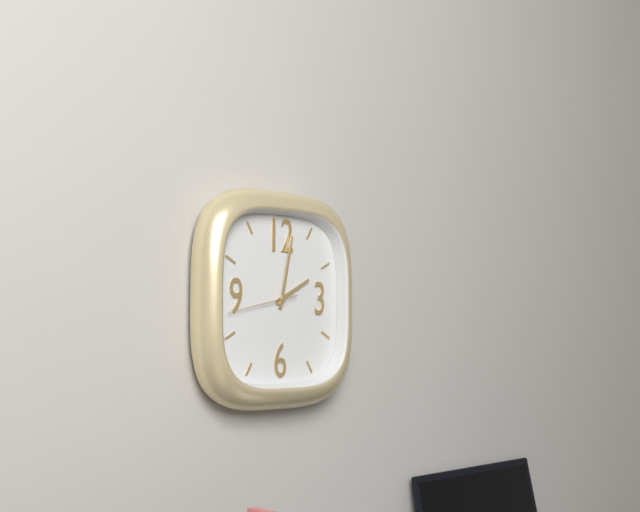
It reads {"hour": 2, "minute": 2, "second": 43}
